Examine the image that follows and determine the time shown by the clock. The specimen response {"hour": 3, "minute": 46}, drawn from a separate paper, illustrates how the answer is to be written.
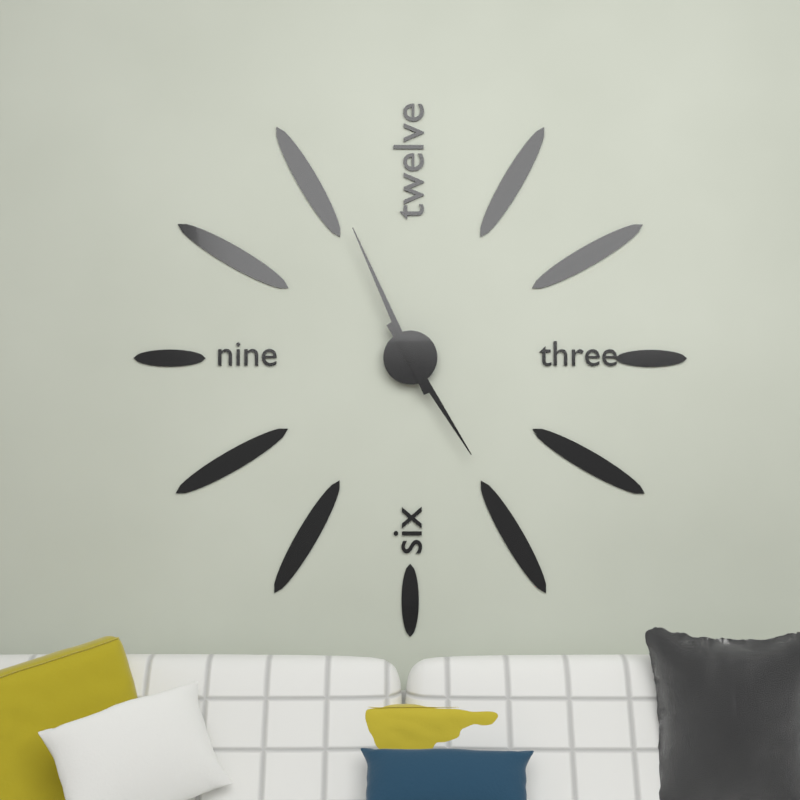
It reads {"hour": 4, "minute": 56}
